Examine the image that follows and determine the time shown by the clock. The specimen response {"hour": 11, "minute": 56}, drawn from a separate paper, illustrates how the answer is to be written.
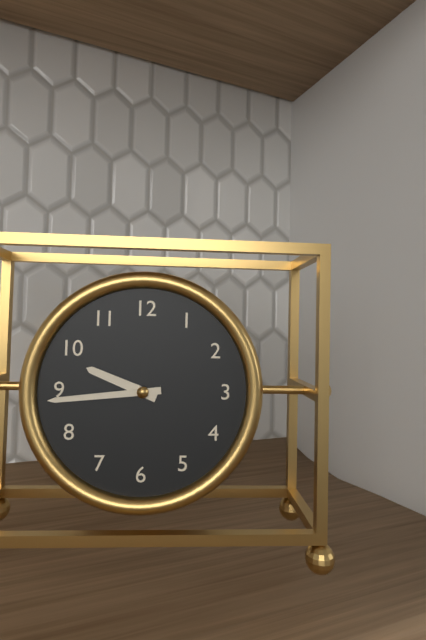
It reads {"hour": 9, "minute": 44}
